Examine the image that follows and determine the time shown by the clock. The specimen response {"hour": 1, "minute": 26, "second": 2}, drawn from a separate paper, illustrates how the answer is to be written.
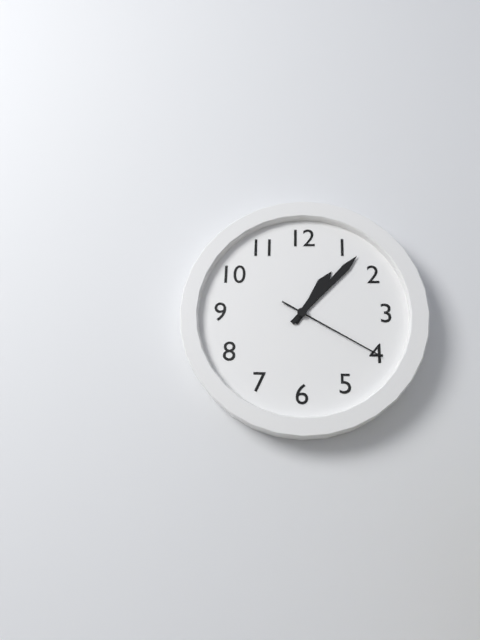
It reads {"hour": 1, "minute": 7, "second": 20}
